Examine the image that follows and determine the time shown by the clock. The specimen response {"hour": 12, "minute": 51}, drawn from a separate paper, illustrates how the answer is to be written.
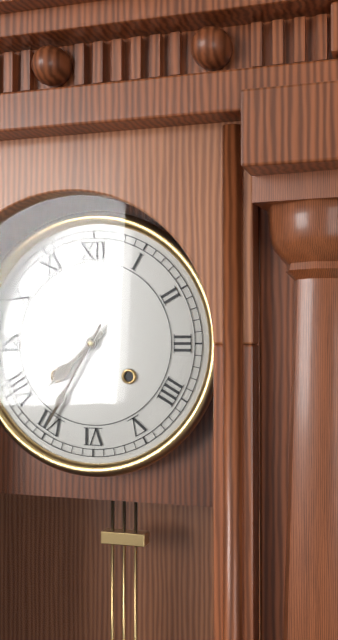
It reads {"hour": 7, "minute": 35}
